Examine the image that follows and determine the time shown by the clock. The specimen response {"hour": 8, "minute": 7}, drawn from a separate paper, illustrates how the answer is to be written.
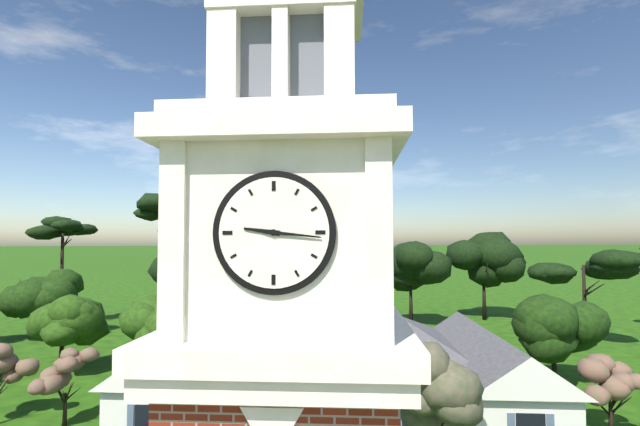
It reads {"hour": 9, "minute": 16}
